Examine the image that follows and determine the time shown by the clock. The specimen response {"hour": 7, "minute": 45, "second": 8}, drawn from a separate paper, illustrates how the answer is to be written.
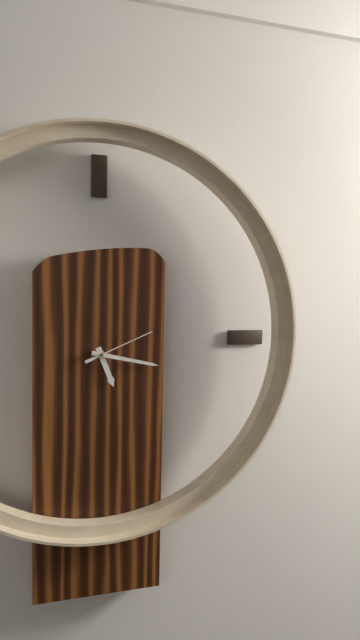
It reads {"hour": 5, "minute": 17, "second": 11}
